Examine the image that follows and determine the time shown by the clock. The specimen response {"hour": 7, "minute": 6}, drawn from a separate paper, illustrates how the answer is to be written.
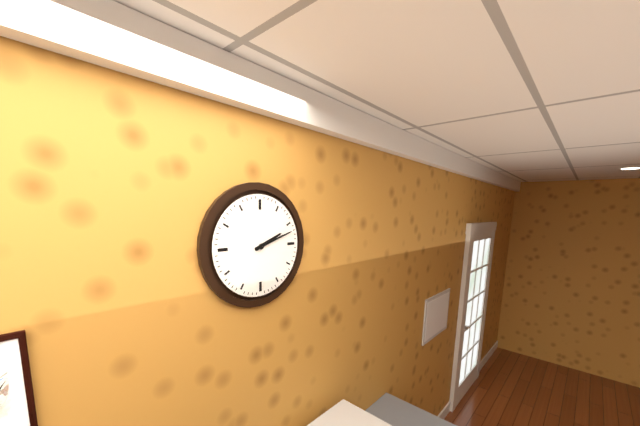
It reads {"hour": 2, "minute": 12}
